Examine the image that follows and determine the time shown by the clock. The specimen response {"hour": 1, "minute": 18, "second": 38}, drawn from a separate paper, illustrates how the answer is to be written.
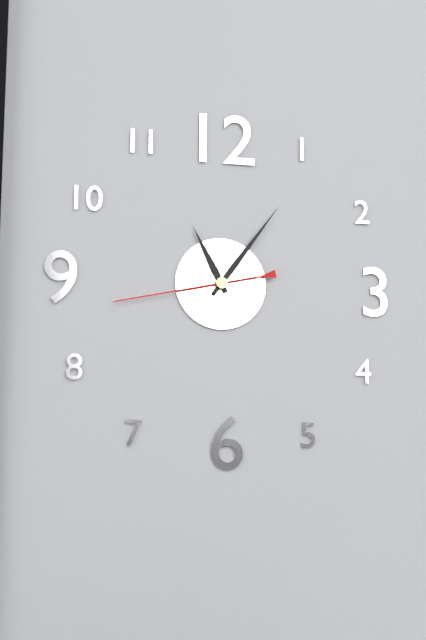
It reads {"hour": 11, "minute": 6, "second": 43}
